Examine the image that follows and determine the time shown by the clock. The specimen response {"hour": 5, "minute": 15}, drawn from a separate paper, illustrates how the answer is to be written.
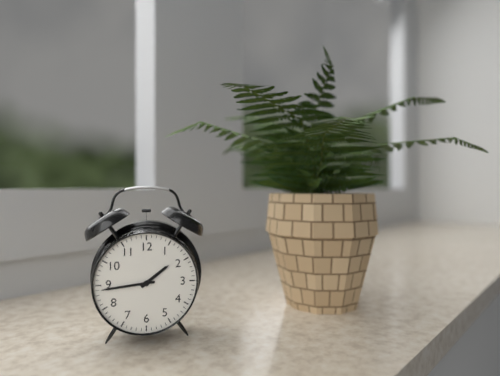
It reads {"hour": 1, "minute": 44}
